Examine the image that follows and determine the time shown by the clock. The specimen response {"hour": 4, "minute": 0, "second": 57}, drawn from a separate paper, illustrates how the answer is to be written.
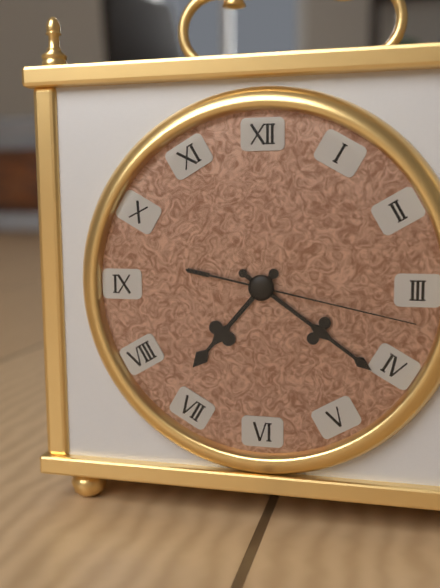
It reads {"hour": 7, "minute": 21, "second": 17}
